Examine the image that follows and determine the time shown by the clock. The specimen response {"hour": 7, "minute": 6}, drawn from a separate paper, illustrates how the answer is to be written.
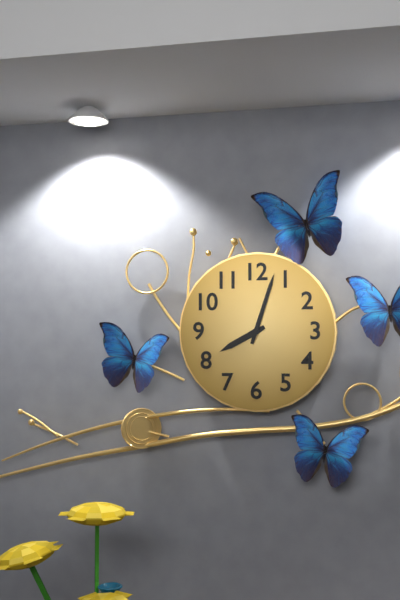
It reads {"hour": 8, "minute": 3}
